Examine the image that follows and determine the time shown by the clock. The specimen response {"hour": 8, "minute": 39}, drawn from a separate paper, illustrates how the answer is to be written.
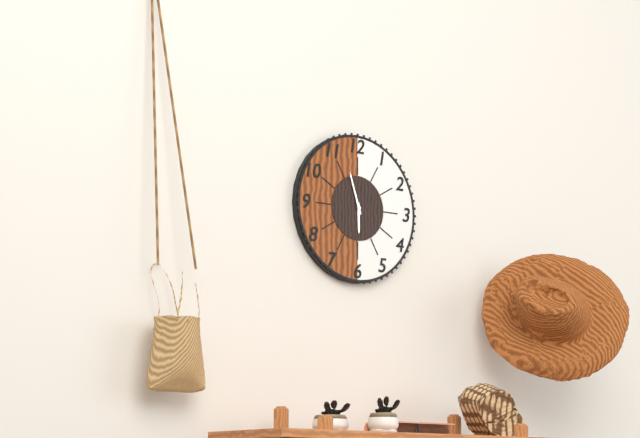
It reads {"hour": 5, "minute": 57}
